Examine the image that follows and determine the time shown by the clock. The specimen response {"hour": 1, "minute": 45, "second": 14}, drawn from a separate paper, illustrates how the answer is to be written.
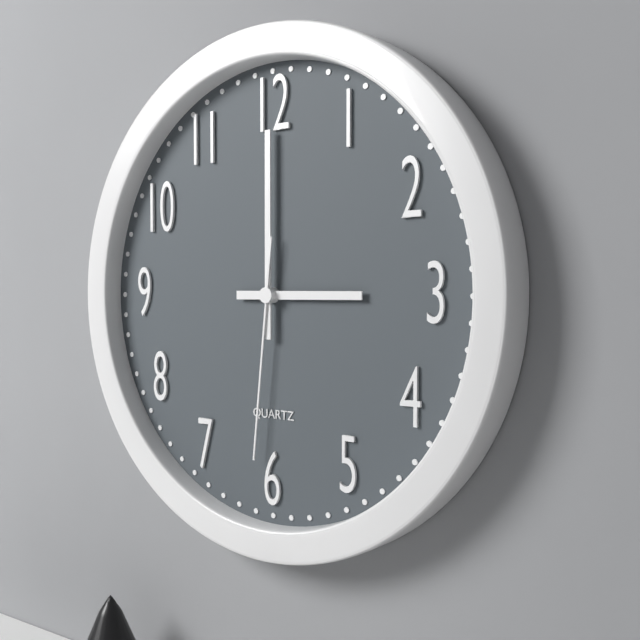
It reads {"hour": 3, "minute": 0, "second": 31}
